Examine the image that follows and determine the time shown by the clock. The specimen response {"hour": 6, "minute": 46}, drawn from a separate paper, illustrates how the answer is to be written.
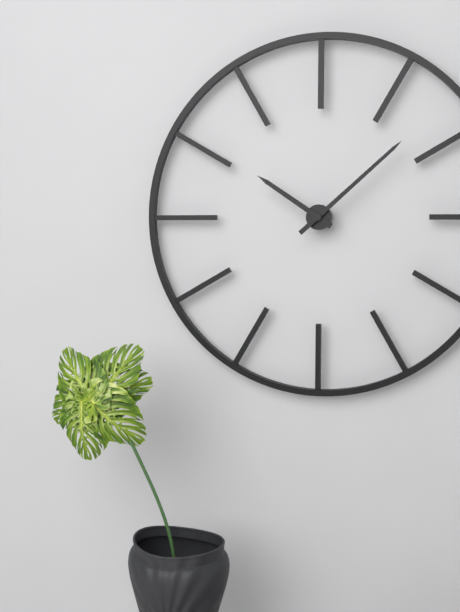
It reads {"hour": 10, "minute": 8}
